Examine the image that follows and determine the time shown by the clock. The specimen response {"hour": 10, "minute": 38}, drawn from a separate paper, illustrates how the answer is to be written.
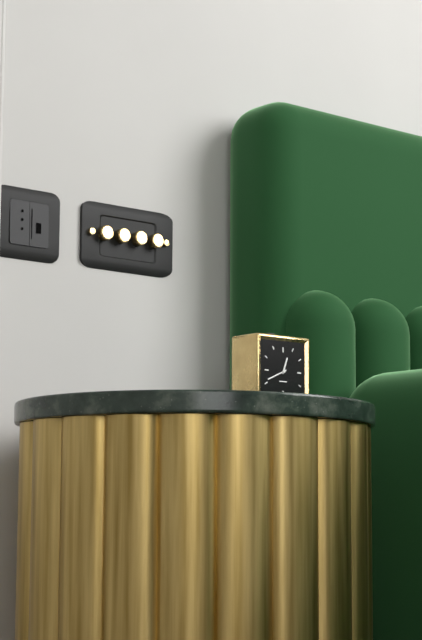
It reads {"hour": 12, "minute": 41}
